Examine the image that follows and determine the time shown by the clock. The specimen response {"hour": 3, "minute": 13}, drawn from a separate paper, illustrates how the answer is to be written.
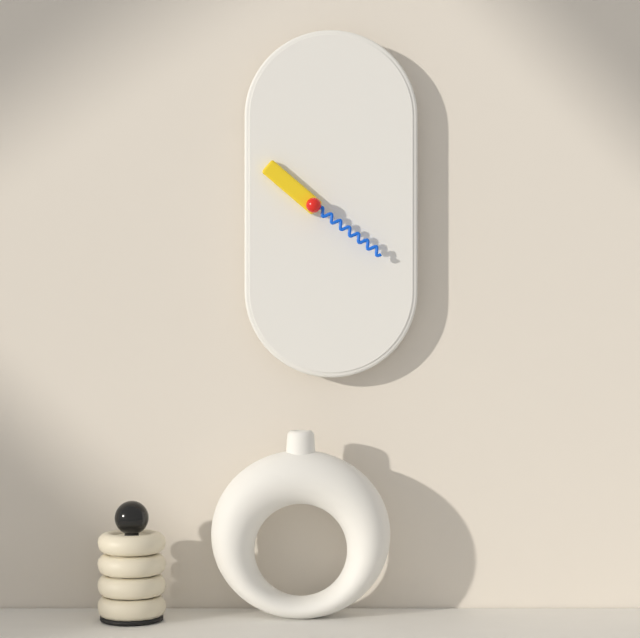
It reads {"hour": 10, "minute": 21}
